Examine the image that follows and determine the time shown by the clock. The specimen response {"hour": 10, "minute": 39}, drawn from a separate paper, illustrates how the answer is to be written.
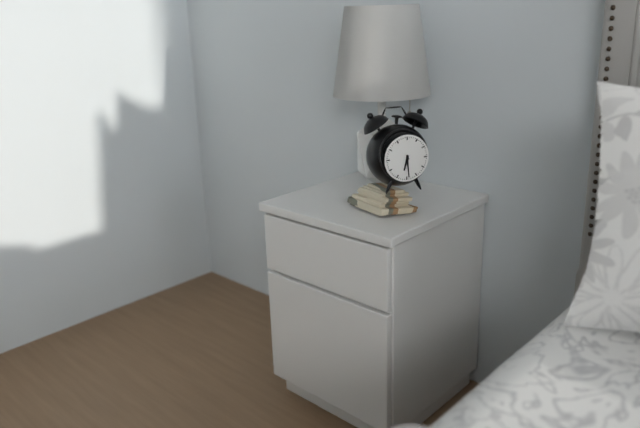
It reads {"hour": 6, "minute": 29}
